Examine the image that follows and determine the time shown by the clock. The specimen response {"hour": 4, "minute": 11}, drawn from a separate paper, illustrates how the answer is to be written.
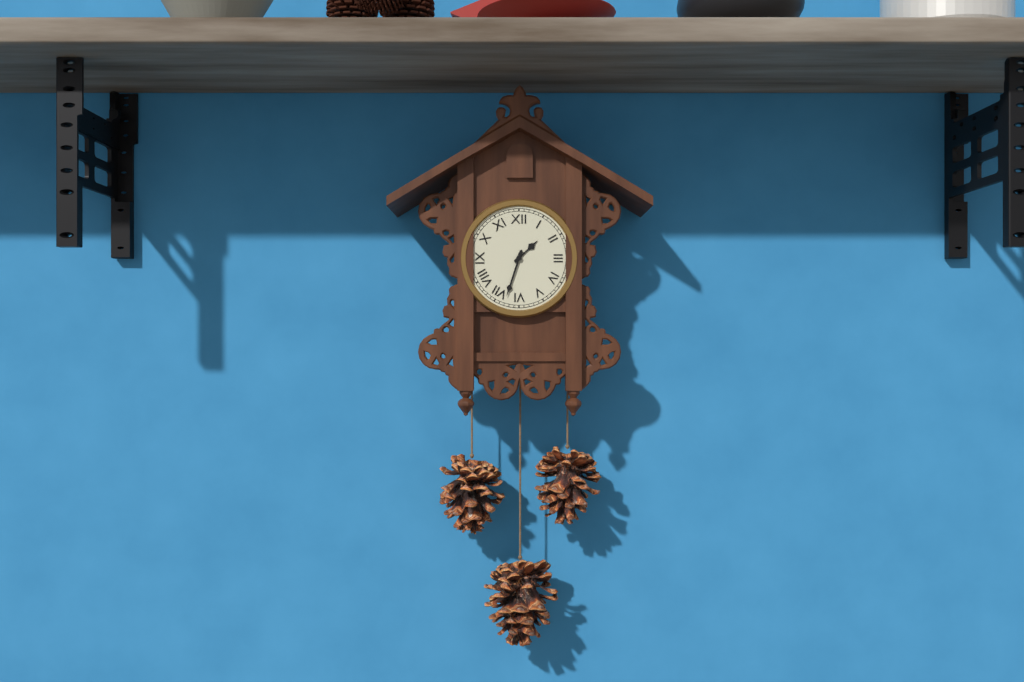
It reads {"hour": 1, "minute": 33}
